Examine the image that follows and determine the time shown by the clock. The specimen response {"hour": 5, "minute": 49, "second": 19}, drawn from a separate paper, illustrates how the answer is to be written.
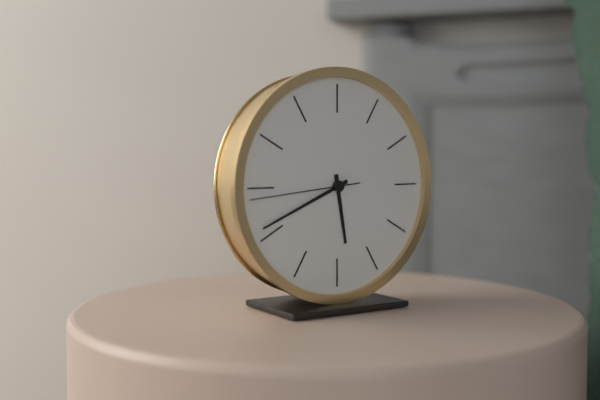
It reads {"hour": 5, "minute": 41, "second": 44}
